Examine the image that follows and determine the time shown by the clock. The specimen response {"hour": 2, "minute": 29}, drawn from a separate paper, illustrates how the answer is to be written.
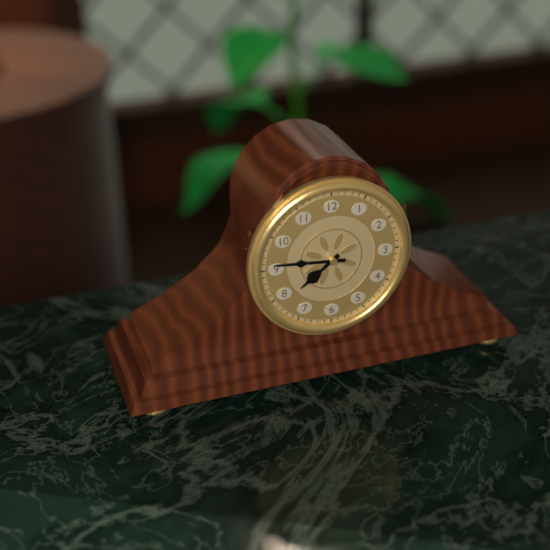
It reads {"hour": 7, "minute": 46}
